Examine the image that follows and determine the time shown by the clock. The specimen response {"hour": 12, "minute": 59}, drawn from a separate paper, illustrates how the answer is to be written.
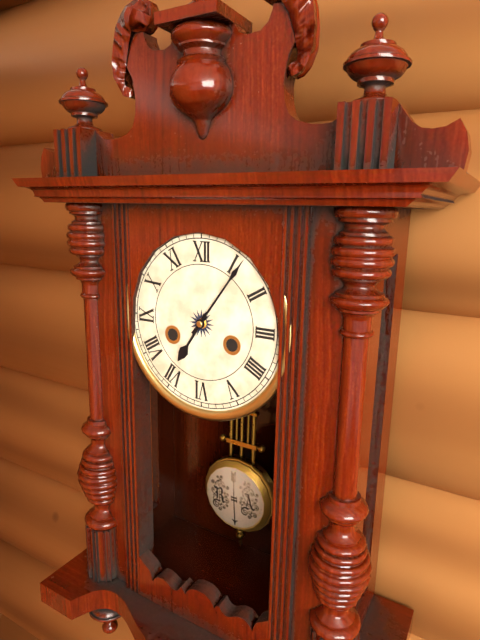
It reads {"hour": 7, "minute": 6}
